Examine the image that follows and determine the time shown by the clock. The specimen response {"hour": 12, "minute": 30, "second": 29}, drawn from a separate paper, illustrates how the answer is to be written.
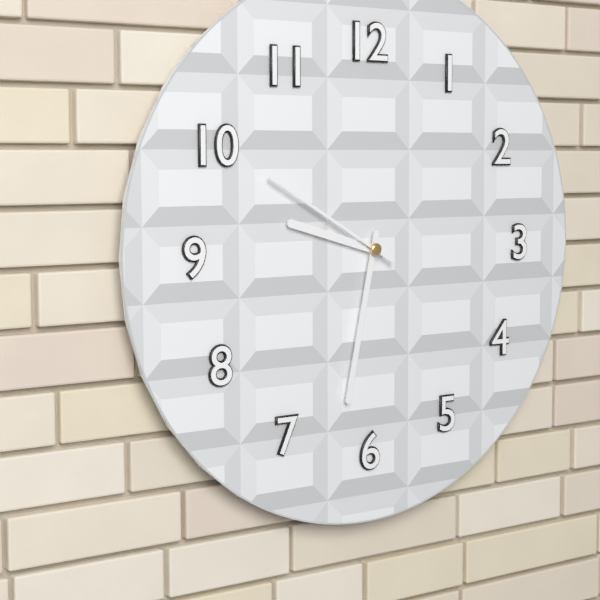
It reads {"hour": 9, "minute": 32, "second": 50}
